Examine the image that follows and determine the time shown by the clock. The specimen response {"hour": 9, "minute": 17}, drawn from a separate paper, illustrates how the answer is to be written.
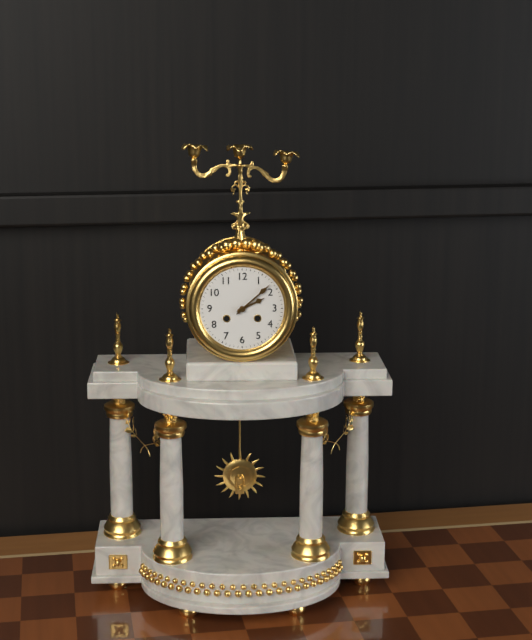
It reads {"hour": 2, "minute": 8}
